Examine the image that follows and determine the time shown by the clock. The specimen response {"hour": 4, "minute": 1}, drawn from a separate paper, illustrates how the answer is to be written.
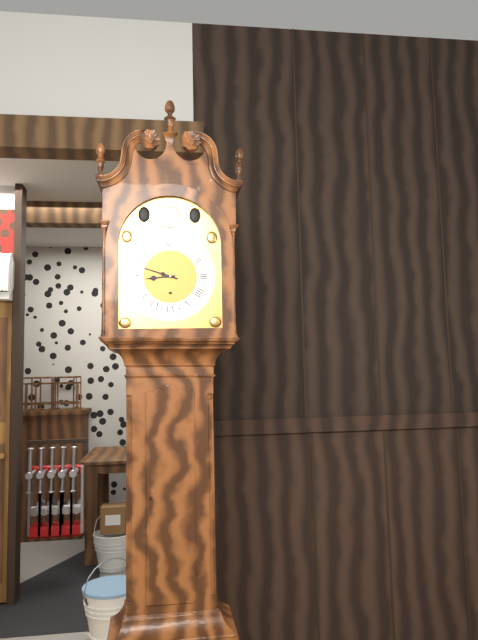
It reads {"hour": 8, "minute": 48}
